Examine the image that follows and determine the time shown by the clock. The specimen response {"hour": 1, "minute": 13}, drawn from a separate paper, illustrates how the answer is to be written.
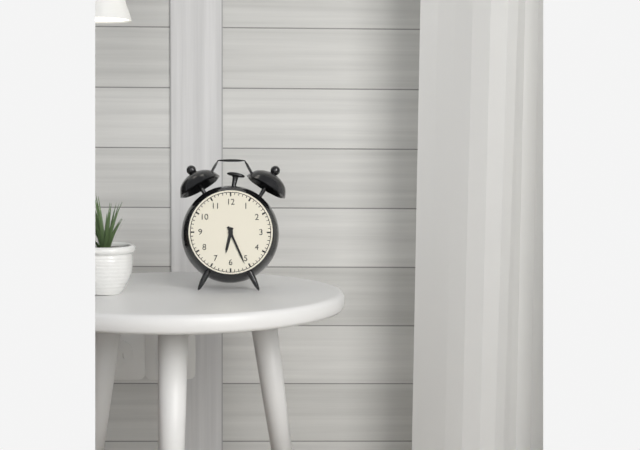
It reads {"hour": 6, "minute": 26}
